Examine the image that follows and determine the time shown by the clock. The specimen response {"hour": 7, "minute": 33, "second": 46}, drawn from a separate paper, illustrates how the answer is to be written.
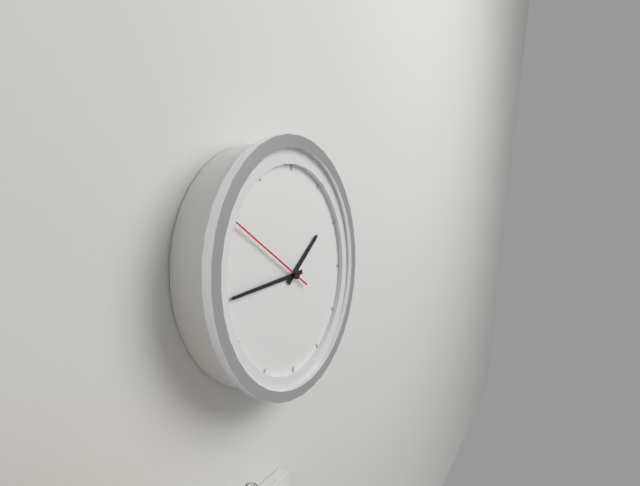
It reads {"hour": 1, "minute": 44, "second": 50}
